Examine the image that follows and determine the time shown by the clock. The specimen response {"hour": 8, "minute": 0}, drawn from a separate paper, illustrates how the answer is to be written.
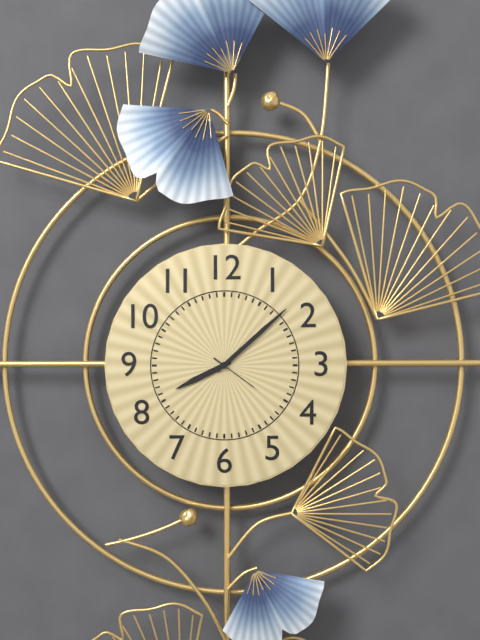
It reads {"hour": 8, "minute": 8}
